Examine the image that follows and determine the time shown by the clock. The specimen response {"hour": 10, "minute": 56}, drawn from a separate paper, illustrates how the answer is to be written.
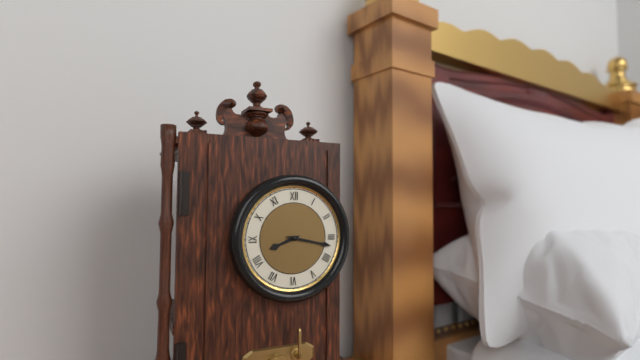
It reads {"hour": 8, "minute": 17}
